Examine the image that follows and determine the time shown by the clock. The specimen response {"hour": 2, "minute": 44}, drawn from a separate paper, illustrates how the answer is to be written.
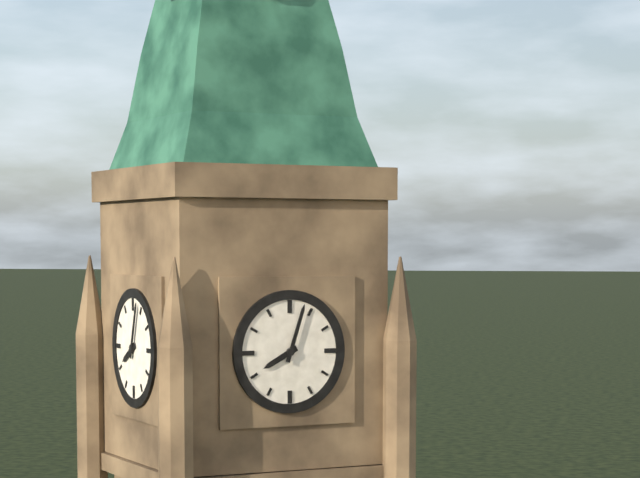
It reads {"hour": 8, "minute": 3}
